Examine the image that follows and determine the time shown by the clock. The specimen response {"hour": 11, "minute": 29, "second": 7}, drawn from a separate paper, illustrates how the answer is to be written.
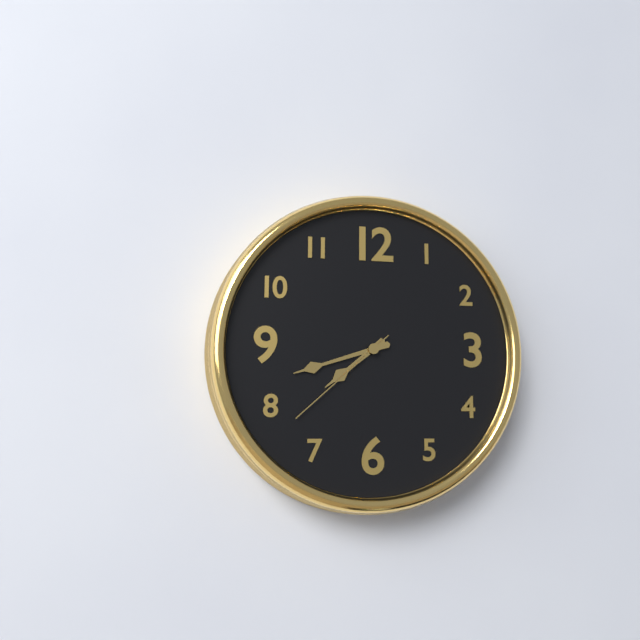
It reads {"hour": 7, "minute": 42, "second": 38}
